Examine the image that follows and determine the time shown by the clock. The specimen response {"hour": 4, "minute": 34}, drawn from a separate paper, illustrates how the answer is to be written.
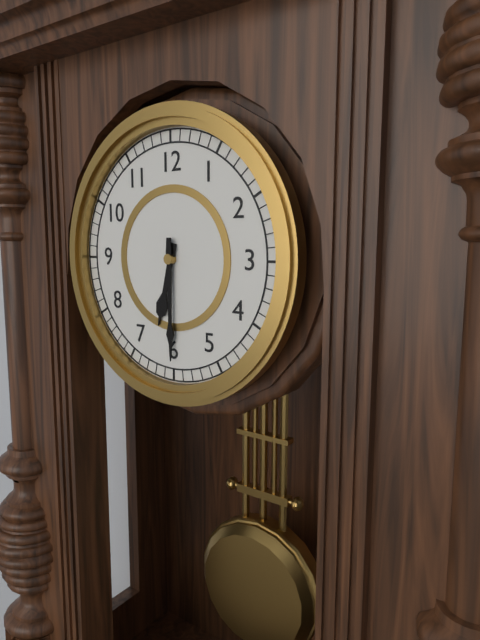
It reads {"hour": 6, "minute": 30}
